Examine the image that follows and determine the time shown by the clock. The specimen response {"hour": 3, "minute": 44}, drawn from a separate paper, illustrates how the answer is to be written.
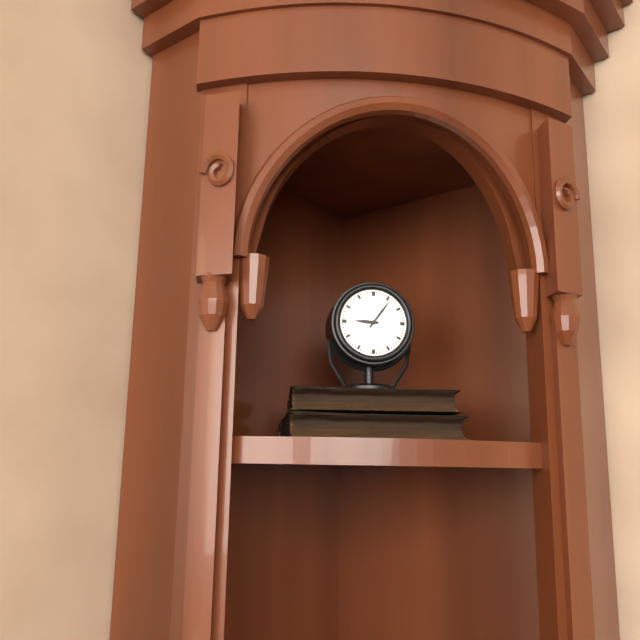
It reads {"hour": 9, "minute": 6}
